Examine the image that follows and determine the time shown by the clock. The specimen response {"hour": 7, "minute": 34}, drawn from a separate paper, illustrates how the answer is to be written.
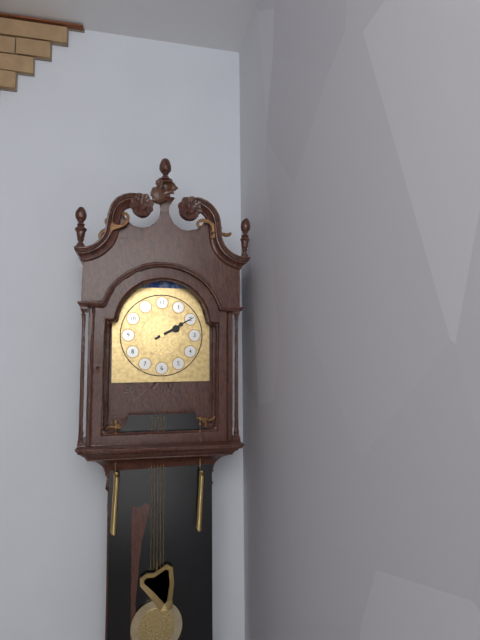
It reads {"hour": 2, "minute": 10}
